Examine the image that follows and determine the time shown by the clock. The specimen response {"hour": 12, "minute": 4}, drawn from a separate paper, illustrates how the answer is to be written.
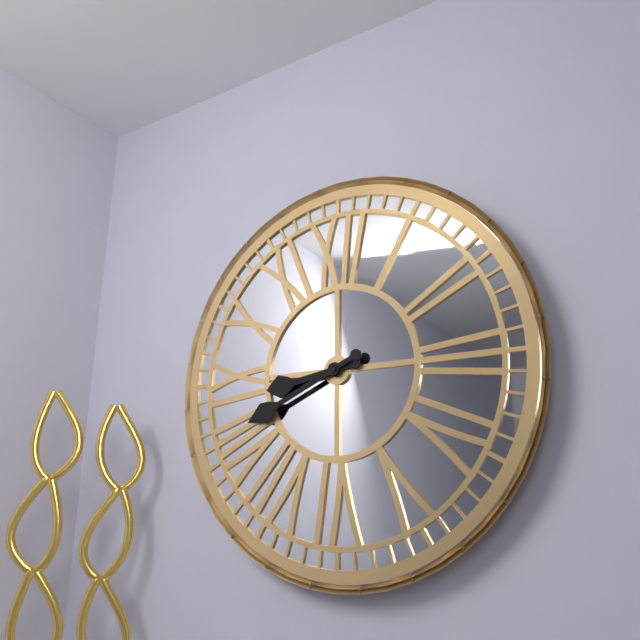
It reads {"hour": 8, "minute": 41}
